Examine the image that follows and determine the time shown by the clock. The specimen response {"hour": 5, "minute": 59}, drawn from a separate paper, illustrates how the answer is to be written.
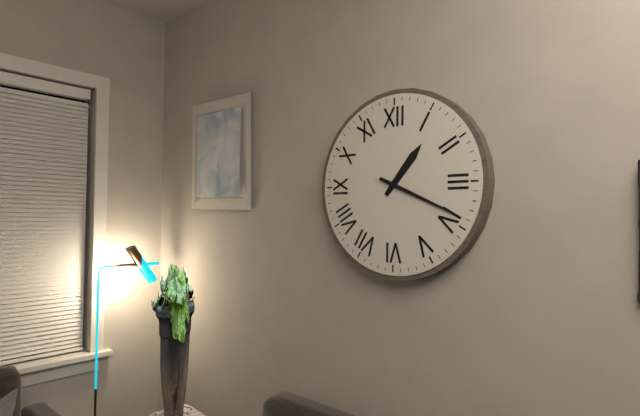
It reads {"hour": 1, "minute": 19}
